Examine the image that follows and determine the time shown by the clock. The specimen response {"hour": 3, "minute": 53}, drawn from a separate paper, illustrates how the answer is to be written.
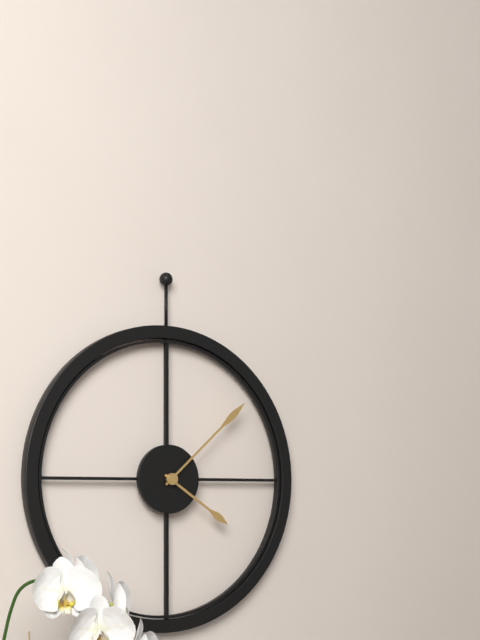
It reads {"hour": 4, "minute": 8}
